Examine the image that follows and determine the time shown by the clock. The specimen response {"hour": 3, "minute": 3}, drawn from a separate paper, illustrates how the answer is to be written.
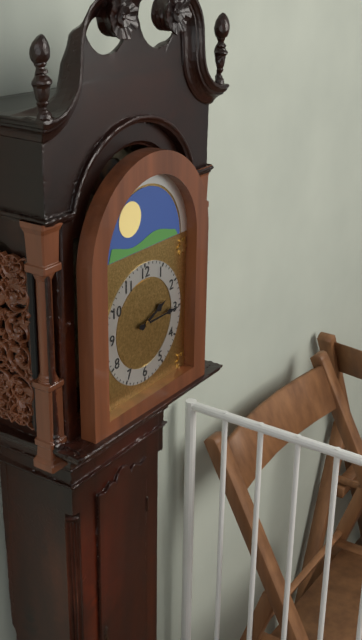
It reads {"hour": 2, "minute": 15}
